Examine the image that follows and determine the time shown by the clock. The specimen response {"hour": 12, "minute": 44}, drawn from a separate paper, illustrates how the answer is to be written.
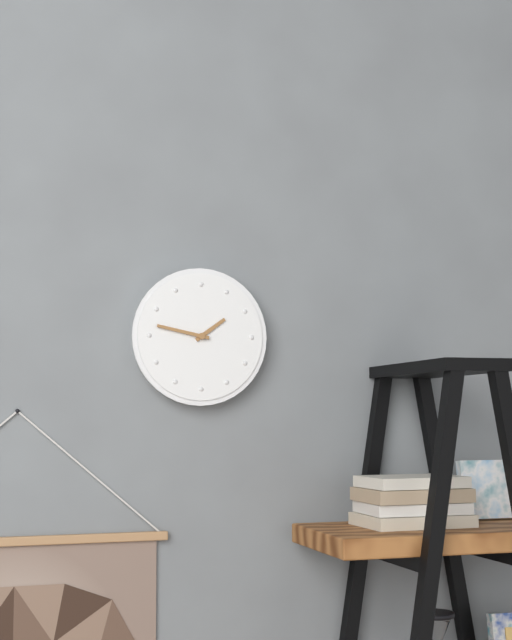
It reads {"hour": 1, "minute": 47}
